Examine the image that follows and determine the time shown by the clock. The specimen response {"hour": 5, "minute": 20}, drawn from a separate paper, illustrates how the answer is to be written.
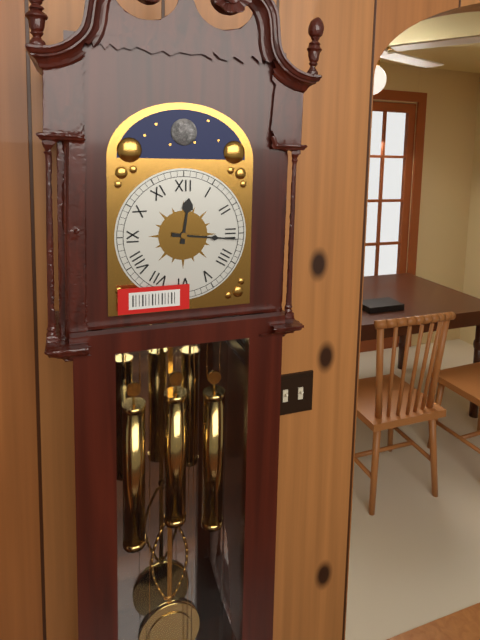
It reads {"hour": 12, "minute": 16}
